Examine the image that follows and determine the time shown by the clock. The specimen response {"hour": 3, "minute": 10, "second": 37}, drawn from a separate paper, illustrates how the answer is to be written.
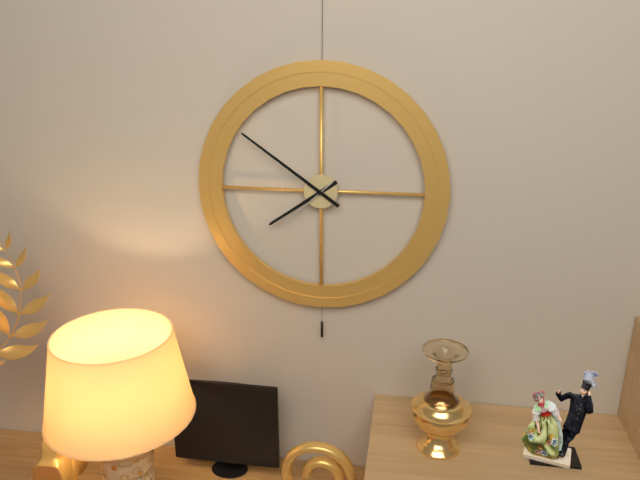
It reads {"hour": 7, "minute": 51, "second": 38}
